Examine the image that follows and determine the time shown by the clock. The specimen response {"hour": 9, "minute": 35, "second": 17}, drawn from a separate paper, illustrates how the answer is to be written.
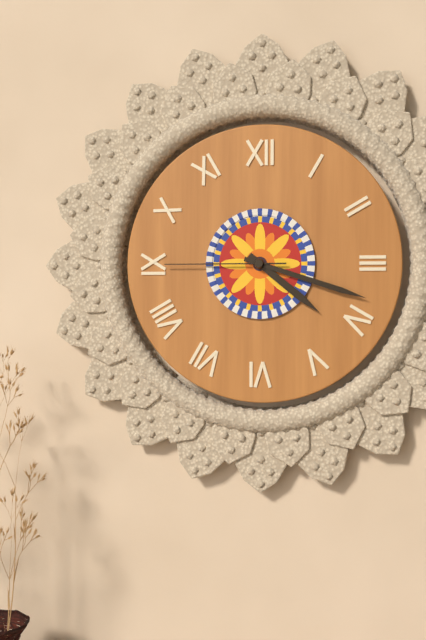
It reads {"hour": 4, "minute": 18, "second": 45}
